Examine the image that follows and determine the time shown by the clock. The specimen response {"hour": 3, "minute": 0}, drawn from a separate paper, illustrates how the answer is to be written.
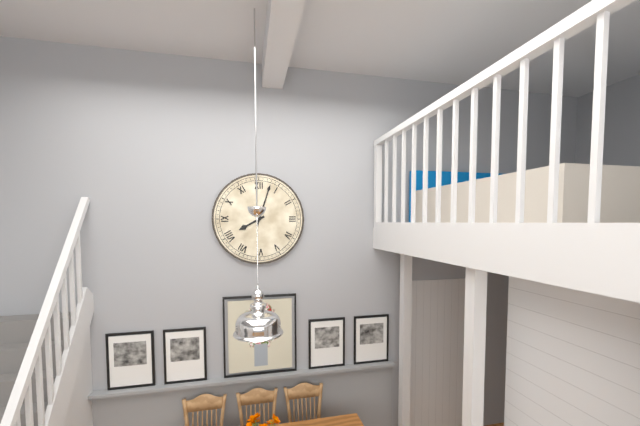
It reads {"hour": 8, "minute": 3}
